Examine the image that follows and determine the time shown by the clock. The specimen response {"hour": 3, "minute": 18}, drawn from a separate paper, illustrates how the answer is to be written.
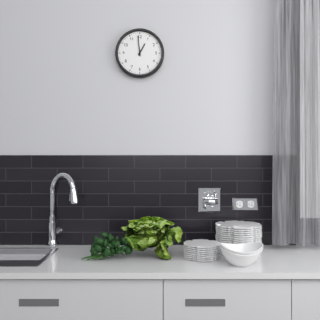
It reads {"hour": 12, "minute": 59}
